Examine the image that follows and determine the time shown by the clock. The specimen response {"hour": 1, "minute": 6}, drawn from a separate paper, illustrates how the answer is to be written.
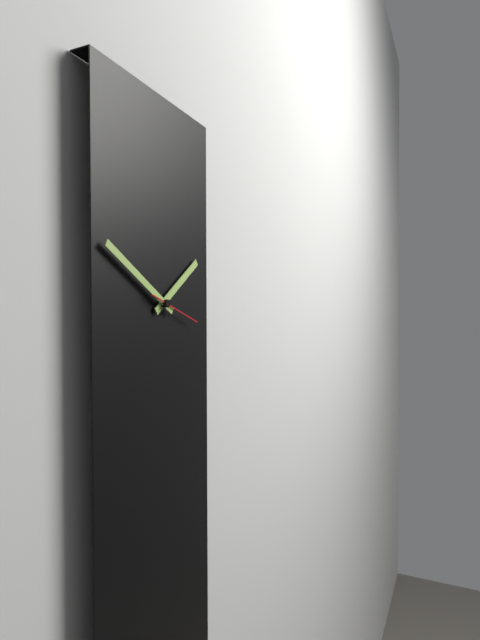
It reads {"hour": 1, "minute": 50}
